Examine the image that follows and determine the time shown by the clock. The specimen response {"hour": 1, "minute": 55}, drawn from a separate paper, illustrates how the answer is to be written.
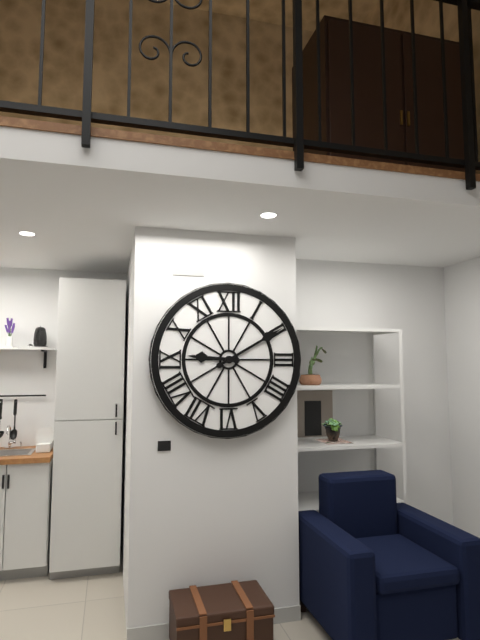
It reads {"hour": 9, "minute": 10}
